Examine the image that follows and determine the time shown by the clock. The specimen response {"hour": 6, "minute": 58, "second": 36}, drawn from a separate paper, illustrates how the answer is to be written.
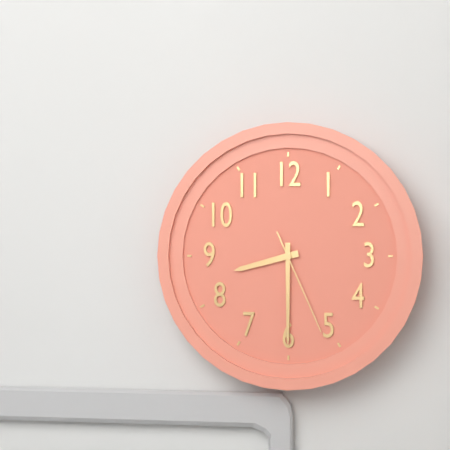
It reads {"hour": 8, "minute": 30, "second": 26}
